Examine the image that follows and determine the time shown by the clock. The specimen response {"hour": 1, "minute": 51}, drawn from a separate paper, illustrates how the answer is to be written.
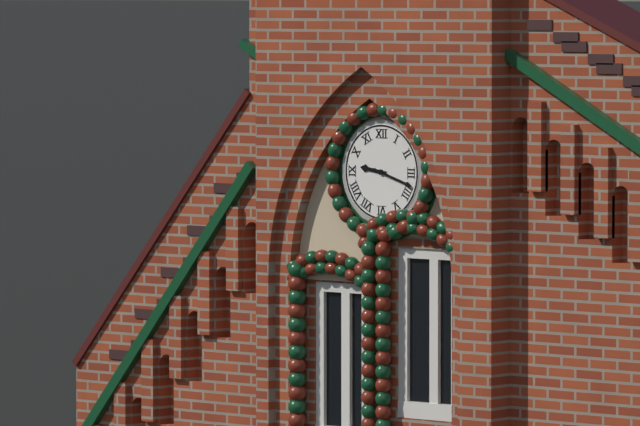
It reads {"hour": 9, "minute": 18}
